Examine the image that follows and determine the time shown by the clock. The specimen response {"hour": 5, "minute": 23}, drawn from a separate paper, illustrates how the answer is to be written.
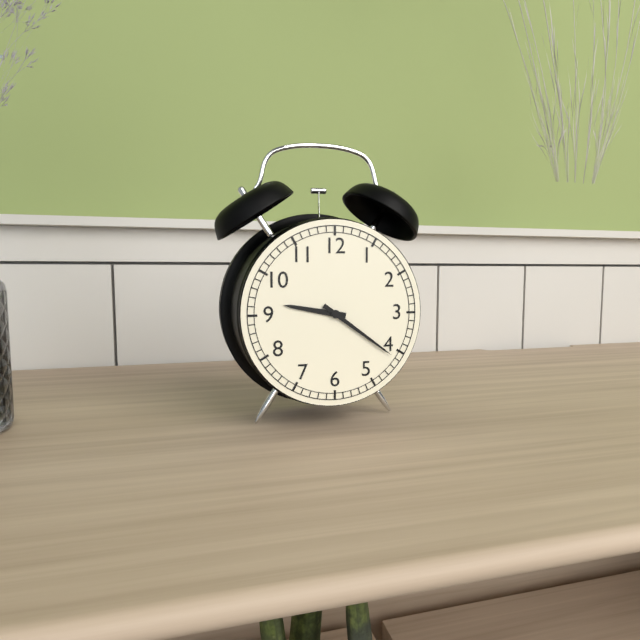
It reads {"hour": 9, "minute": 21}
